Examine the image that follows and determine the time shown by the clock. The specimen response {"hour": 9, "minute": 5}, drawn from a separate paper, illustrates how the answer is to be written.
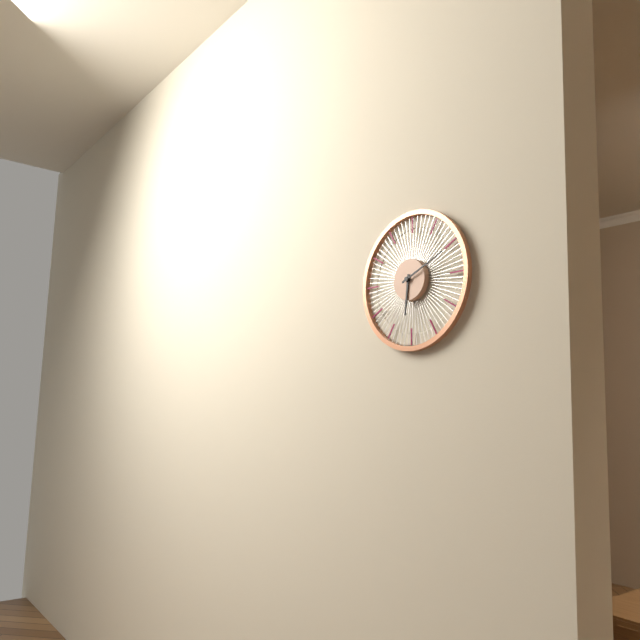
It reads {"hour": 6, "minute": 11}
